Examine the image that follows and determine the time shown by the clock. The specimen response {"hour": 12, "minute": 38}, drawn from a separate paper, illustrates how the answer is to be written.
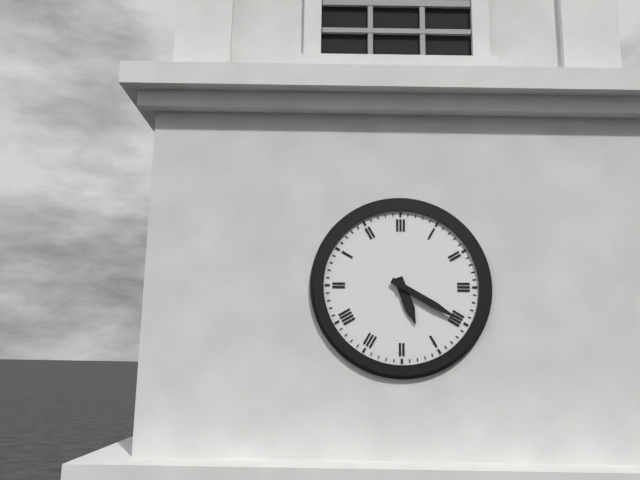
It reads {"hour": 5, "minute": 20}
